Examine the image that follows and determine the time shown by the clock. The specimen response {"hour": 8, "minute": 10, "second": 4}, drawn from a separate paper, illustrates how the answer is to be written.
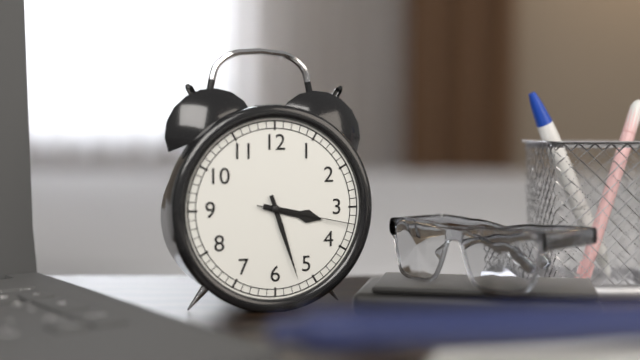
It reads {"hour": 3, "minute": 27, "second": 17}
